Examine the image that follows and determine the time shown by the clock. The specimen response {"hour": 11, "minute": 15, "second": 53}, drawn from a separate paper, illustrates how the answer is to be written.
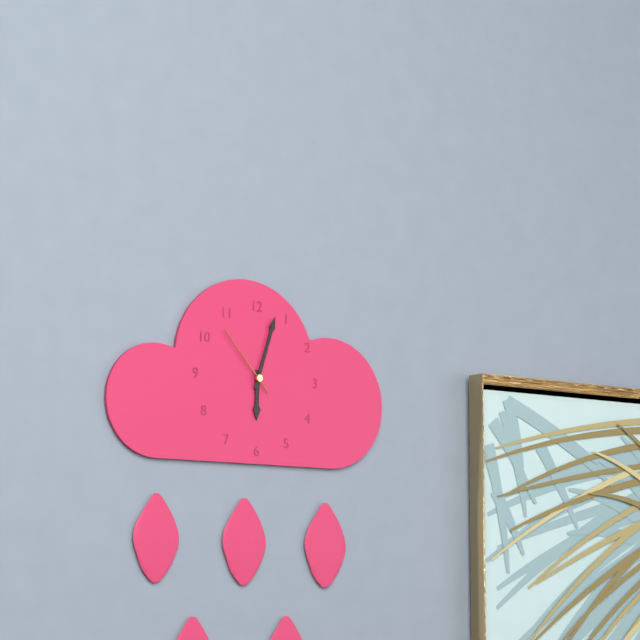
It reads {"hour": 6, "minute": 3, "second": 53}
